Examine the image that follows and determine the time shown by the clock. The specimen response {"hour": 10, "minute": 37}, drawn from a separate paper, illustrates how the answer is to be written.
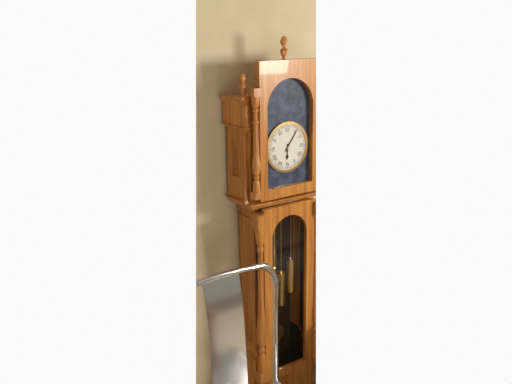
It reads {"hour": 6, "minute": 6}
